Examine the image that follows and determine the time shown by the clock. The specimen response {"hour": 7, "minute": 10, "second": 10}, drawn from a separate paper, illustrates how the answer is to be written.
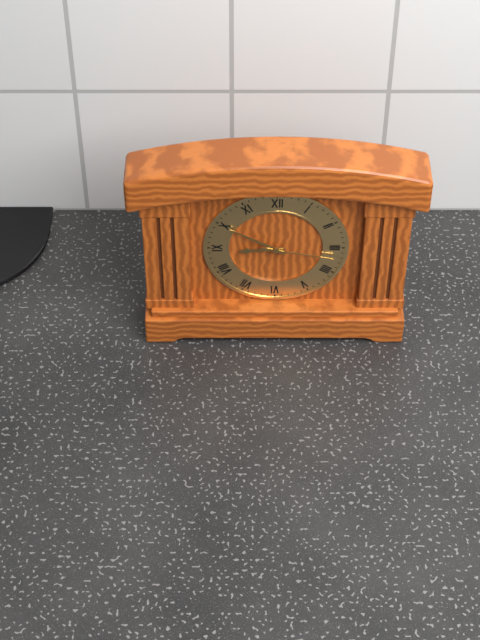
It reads {"hour": 8, "minute": 50, "second": 17}
